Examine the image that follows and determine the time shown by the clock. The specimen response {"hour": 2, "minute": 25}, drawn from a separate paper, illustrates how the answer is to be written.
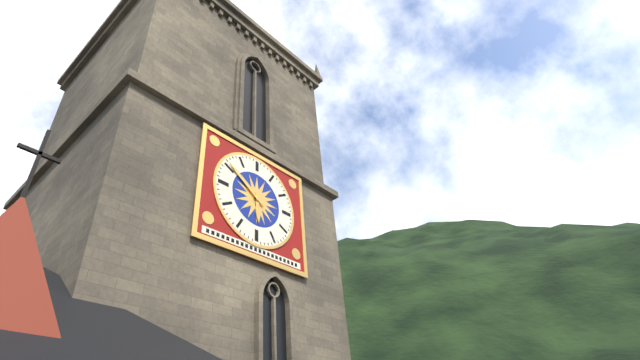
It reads {"hour": 5, "minute": 51}
